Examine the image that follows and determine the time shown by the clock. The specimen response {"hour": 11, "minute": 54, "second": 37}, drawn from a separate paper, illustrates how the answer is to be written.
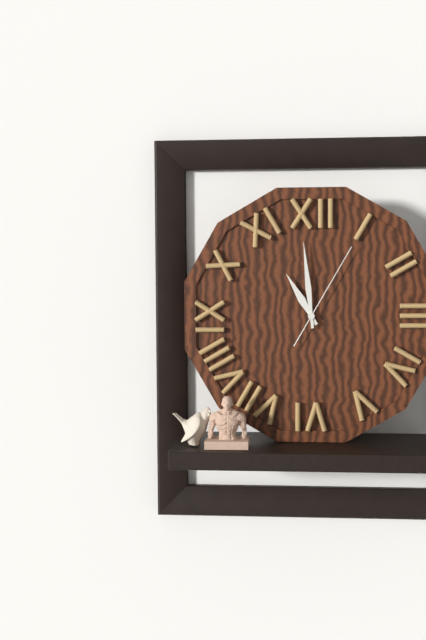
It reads {"hour": 10, "minute": 59, "second": 5}
